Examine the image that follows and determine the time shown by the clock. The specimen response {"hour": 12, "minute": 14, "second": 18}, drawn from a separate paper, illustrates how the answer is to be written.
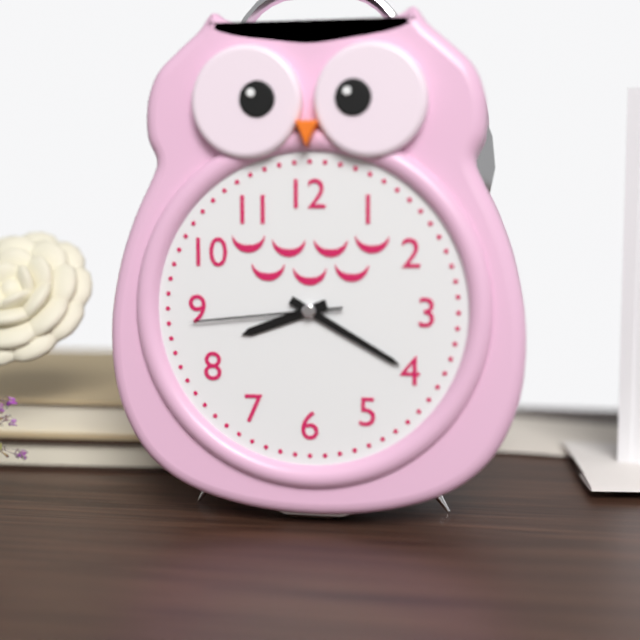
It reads {"hour": 8, "minute": 20, "second": 44}
